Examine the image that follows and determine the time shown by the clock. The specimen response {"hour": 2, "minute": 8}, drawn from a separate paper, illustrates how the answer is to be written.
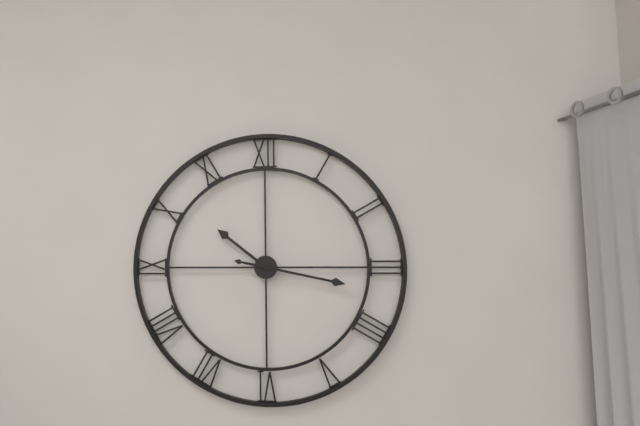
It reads {"hour": 10, "minute": 17}
